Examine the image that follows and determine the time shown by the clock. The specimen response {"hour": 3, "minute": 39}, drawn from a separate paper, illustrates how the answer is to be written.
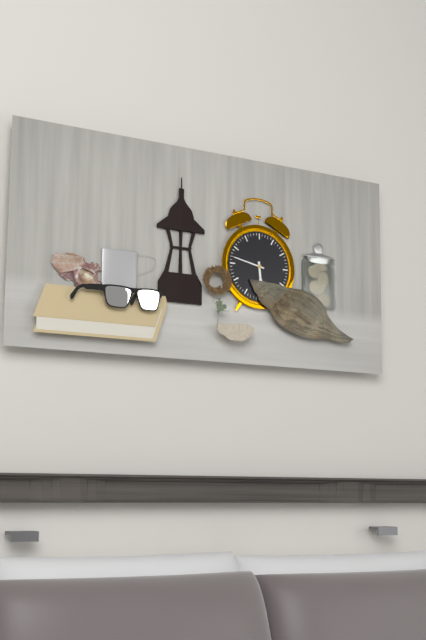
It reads {"hour": 5, "minute": 47}
